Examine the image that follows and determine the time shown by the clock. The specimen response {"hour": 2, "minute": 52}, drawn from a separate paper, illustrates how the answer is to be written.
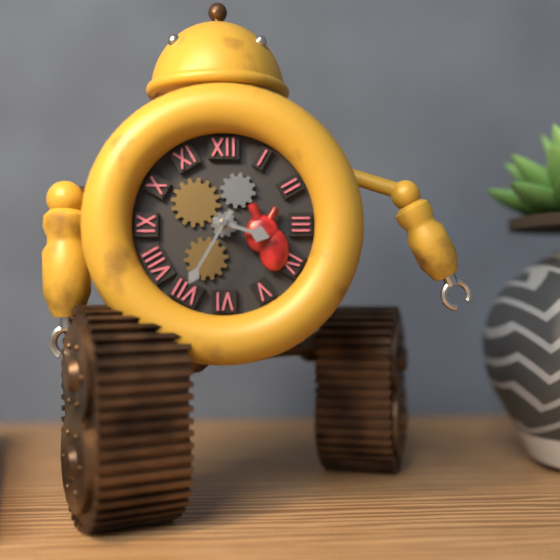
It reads {"hour": 3, "minute": 35}
